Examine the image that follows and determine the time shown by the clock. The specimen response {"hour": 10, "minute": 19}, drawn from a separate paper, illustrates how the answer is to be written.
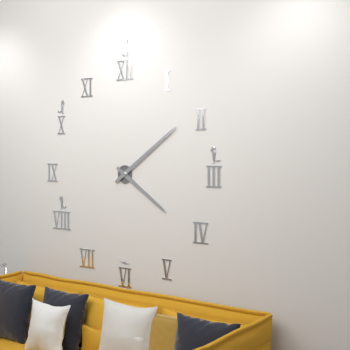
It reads {"hour": 4, "minute": 9}
